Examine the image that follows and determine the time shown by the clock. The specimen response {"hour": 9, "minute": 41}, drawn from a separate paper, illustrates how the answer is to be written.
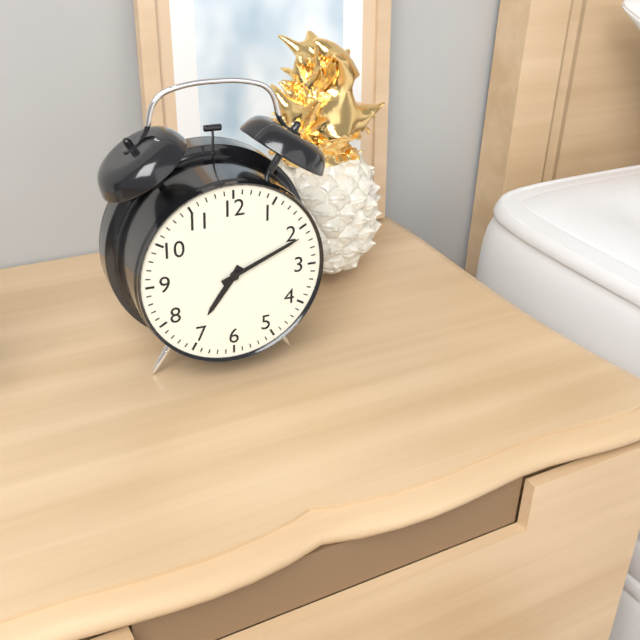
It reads {"hour": 7, "minute": 11}
